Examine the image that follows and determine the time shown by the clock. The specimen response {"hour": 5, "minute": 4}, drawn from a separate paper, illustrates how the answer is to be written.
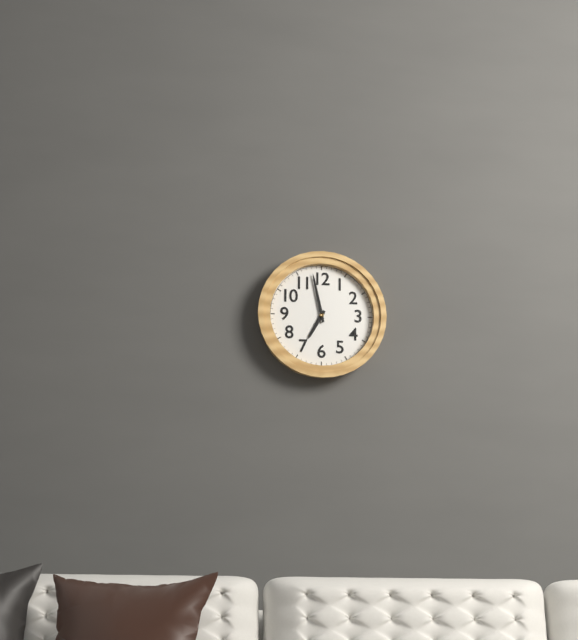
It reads {"hour": 6, "minute": 58}
